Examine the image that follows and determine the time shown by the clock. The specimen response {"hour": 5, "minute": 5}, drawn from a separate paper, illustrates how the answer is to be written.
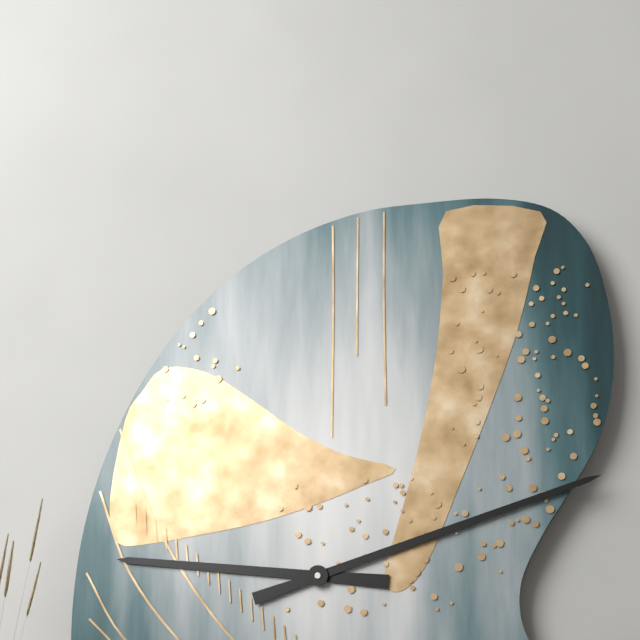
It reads {"hour": 9, "minute": 12}
